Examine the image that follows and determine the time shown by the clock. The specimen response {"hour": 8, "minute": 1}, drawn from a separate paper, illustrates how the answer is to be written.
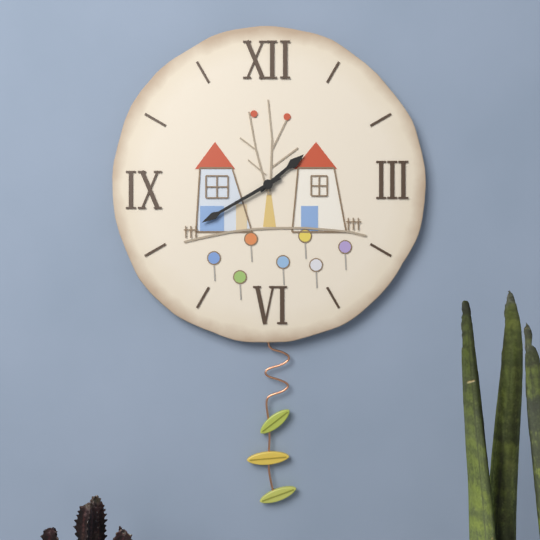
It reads {"hour": 1, "minute": 40}
